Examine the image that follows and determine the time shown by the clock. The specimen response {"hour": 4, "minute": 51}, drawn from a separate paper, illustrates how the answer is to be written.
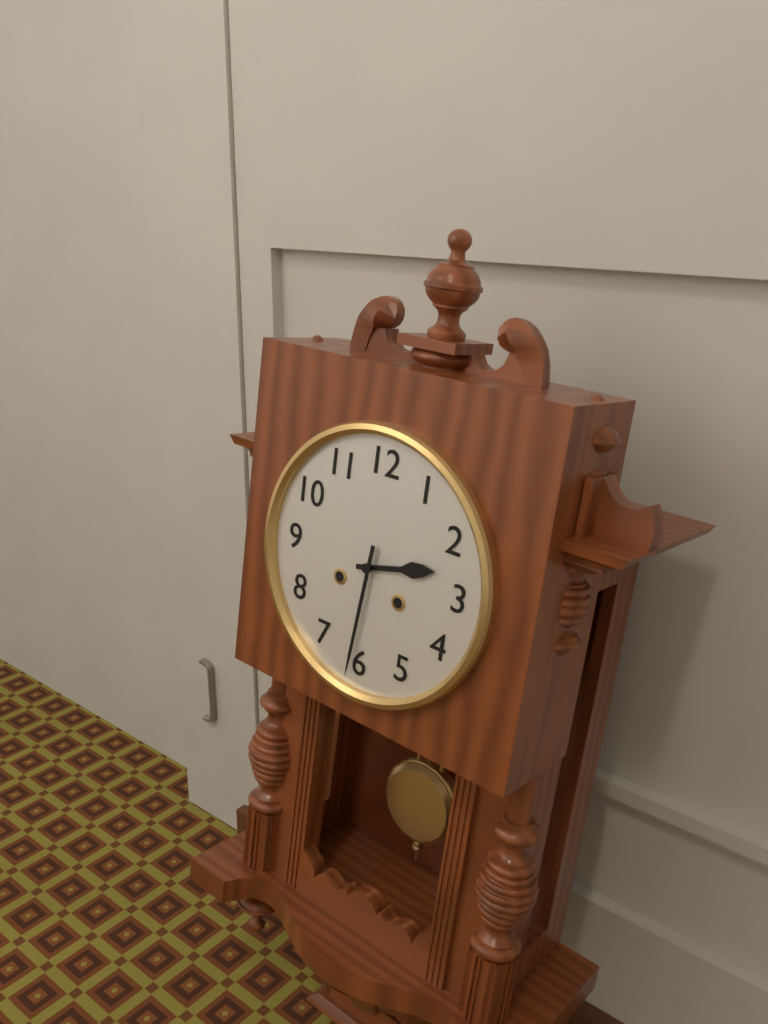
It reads {"hour": 2, "minute": 31}
